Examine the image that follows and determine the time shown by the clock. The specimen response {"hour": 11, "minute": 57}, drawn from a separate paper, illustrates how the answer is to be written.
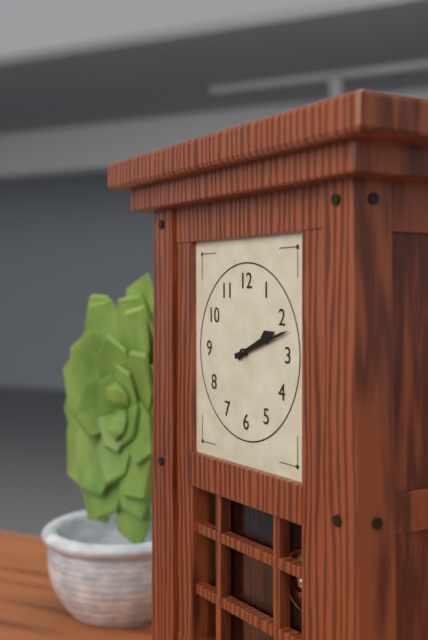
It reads {"hour": 2, "minute": 12}
